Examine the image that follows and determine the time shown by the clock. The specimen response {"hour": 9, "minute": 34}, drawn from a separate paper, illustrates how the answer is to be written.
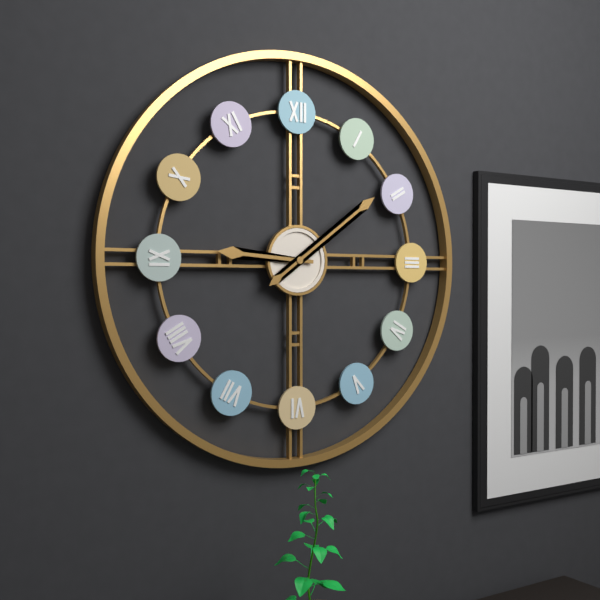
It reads {"hour": 9, "minute": 9}
